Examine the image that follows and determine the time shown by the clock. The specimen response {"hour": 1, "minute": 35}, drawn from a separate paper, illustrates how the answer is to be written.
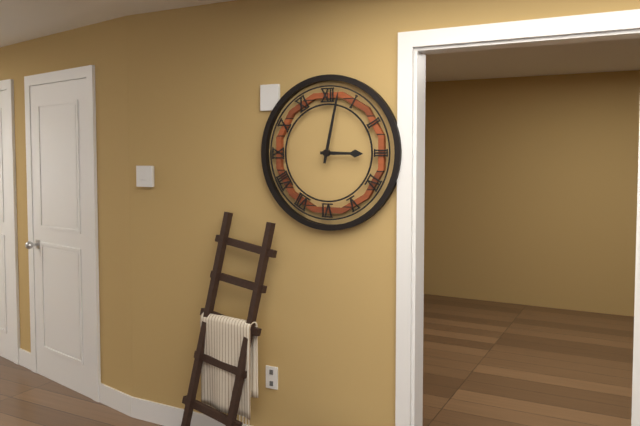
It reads {"hour": 3, "minute": 2}
